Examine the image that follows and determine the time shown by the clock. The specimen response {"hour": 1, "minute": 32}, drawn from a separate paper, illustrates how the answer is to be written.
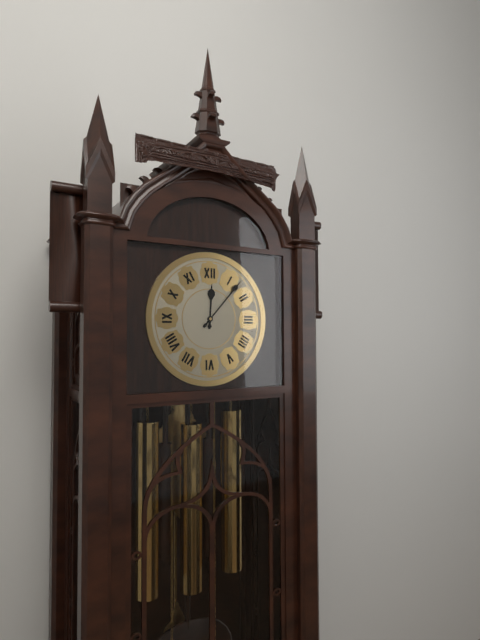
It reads {"hour": 12, "minute": 7}
